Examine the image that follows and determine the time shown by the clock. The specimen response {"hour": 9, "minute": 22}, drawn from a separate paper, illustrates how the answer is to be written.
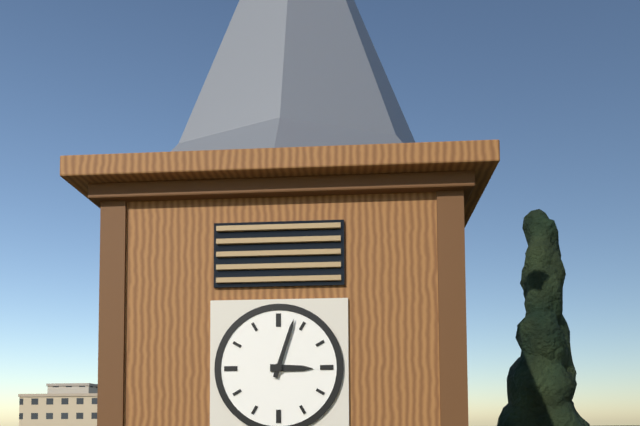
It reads {"hour": 3, "minute": 3}
